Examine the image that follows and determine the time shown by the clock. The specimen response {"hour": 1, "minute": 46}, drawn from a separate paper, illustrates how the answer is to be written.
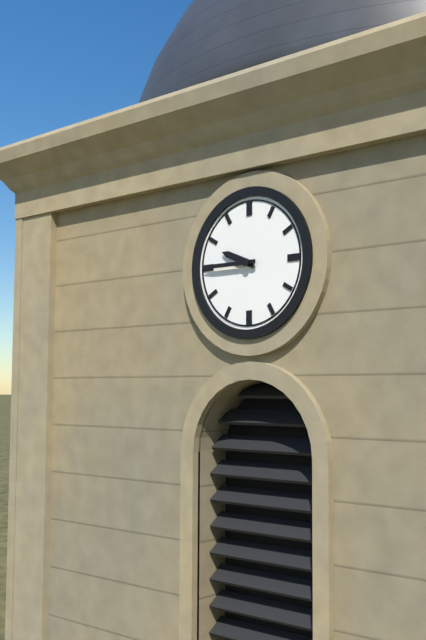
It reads {"hour": 9, "minute": 45}
